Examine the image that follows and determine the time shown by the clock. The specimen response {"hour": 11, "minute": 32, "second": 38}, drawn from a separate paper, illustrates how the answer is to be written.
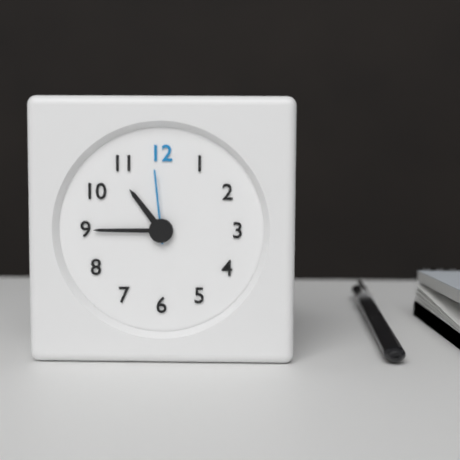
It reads {"hour": 10, "minute": 45, "second": 59}
